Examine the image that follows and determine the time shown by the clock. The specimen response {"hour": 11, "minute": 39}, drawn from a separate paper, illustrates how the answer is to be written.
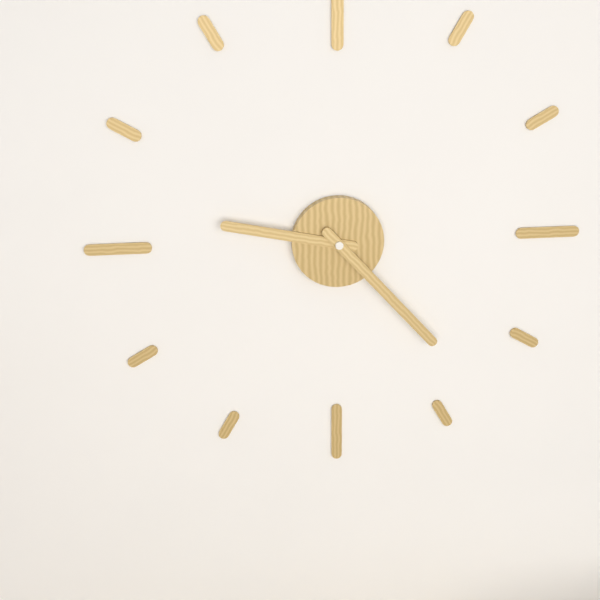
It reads {"hour": 9, "minute": 23}
